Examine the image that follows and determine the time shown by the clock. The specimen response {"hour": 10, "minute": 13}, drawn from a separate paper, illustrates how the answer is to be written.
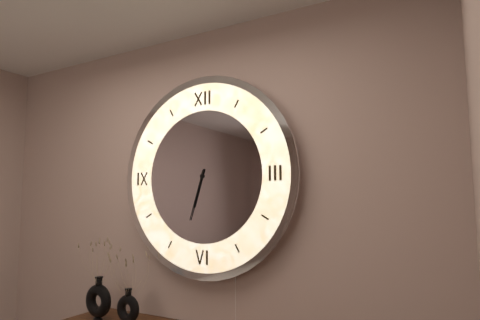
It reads {"hour": 6, "minute": 33}
